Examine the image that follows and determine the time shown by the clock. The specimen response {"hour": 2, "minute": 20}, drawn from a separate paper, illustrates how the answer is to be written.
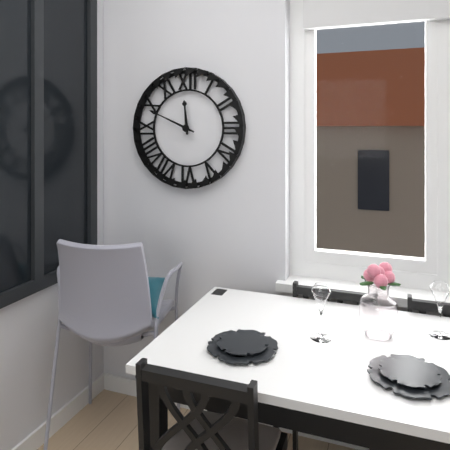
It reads {"hour": 11, "minute": 49}
